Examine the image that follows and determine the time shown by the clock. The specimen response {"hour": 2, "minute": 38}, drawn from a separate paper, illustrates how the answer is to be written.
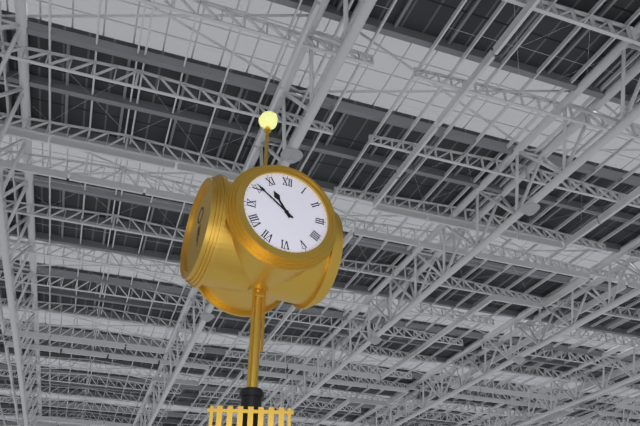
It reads {"hour": 10, "minute": 51}
